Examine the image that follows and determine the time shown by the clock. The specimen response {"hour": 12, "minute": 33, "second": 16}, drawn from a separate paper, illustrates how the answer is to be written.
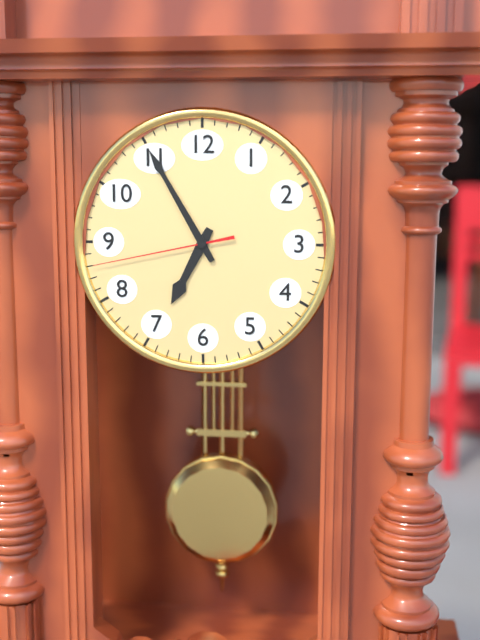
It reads {"hour": 6, "minute": 55, "second": 43}
